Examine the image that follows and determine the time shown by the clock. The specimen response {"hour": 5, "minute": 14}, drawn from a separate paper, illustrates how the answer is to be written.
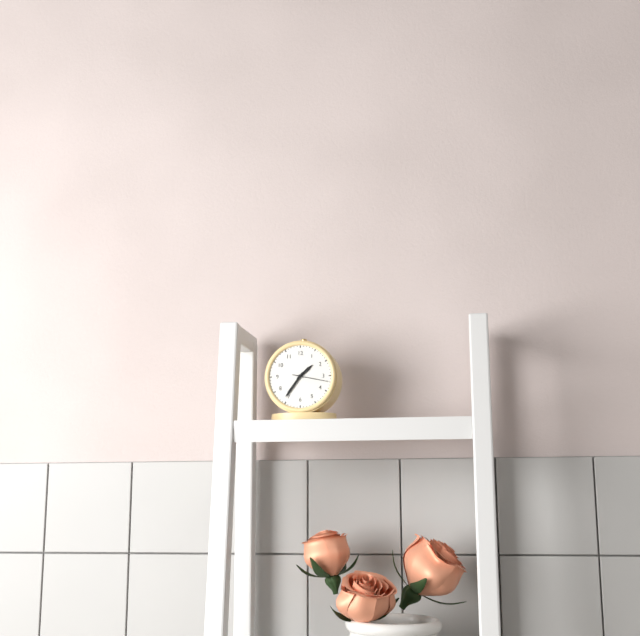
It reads {"hour": 1, "minute": 36}
